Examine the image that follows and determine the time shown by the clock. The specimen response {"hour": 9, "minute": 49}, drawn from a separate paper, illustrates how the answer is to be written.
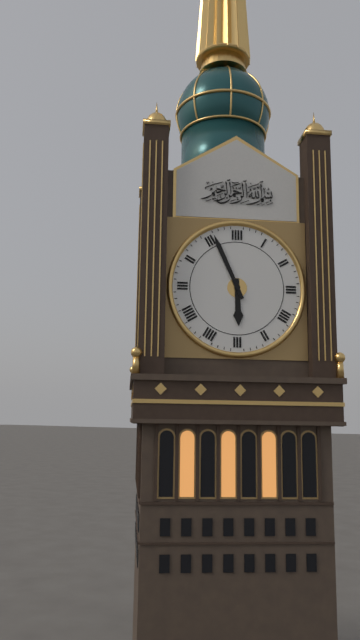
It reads {"hour": 5, "minute": 56}
